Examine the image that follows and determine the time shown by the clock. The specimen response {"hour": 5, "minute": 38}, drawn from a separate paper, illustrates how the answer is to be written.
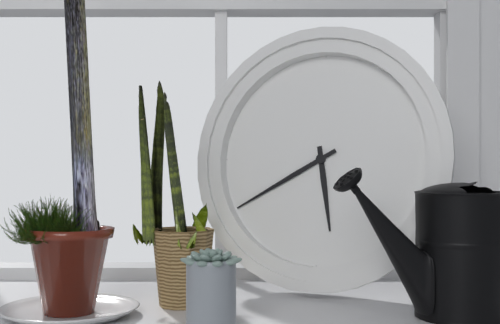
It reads {"hour": 5, "minute": 40}
